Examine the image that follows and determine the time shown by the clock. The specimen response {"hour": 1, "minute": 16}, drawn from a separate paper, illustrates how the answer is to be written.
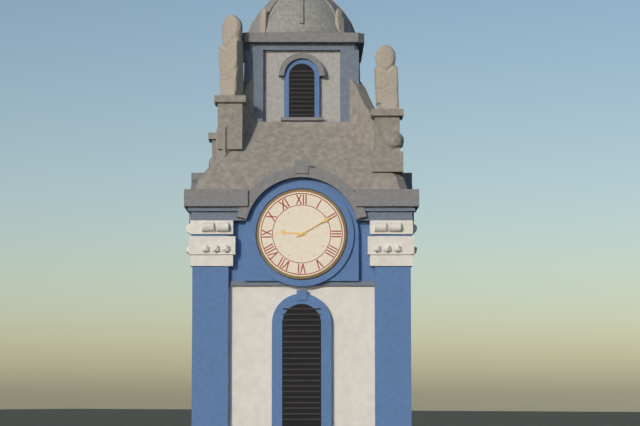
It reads {"hour": 9, "minute": 10}
